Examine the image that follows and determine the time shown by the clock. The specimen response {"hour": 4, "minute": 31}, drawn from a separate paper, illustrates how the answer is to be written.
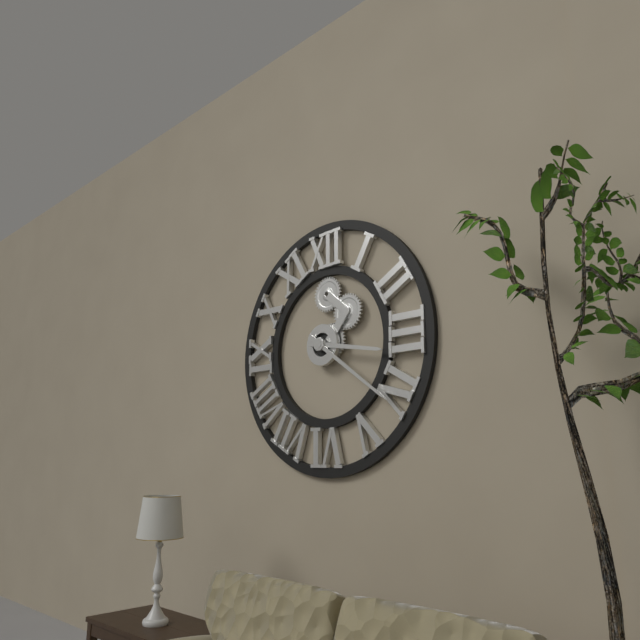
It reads {"hour": 3, "minute": 21}
